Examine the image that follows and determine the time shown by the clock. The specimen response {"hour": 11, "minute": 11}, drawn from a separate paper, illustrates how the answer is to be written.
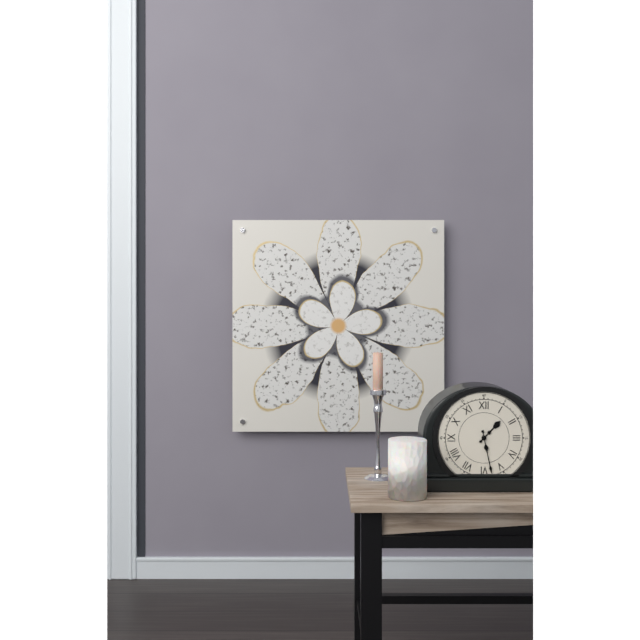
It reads {"hour": 1, "minute": 28}
